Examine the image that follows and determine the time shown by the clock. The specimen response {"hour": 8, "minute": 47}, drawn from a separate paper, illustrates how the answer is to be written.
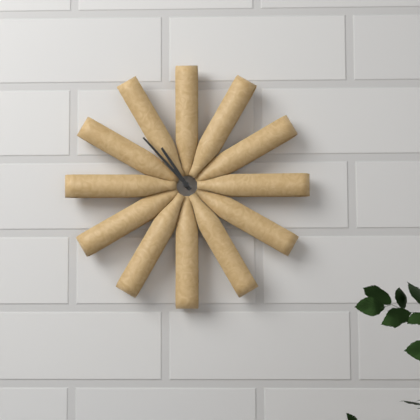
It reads {"hour": 10, "minute": 53}
